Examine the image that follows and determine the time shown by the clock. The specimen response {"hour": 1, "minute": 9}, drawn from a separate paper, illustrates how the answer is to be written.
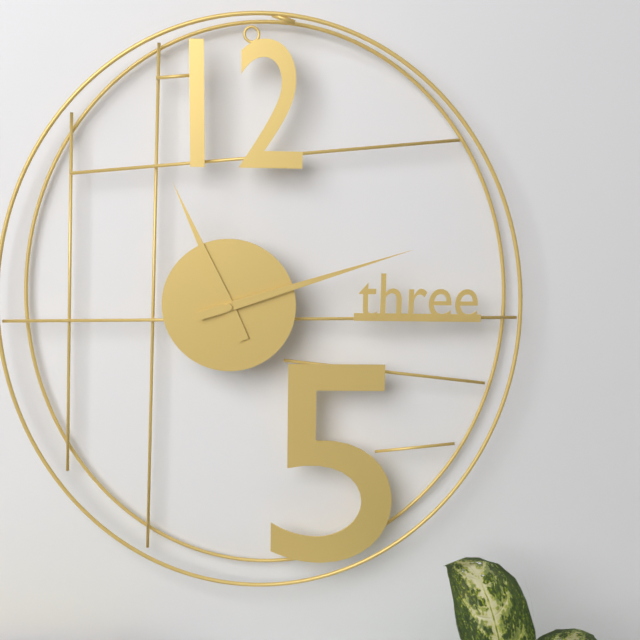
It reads {"hour": 11, "minute": 12}
